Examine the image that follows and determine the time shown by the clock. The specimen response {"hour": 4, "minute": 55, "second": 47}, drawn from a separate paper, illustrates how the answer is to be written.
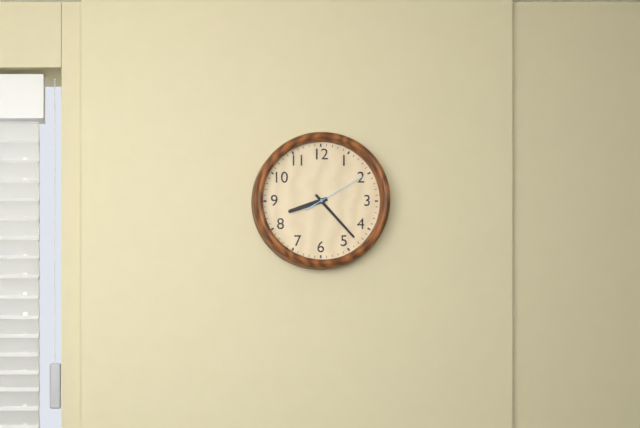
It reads {"hour": 8, "minute": 23, "second": 10}
